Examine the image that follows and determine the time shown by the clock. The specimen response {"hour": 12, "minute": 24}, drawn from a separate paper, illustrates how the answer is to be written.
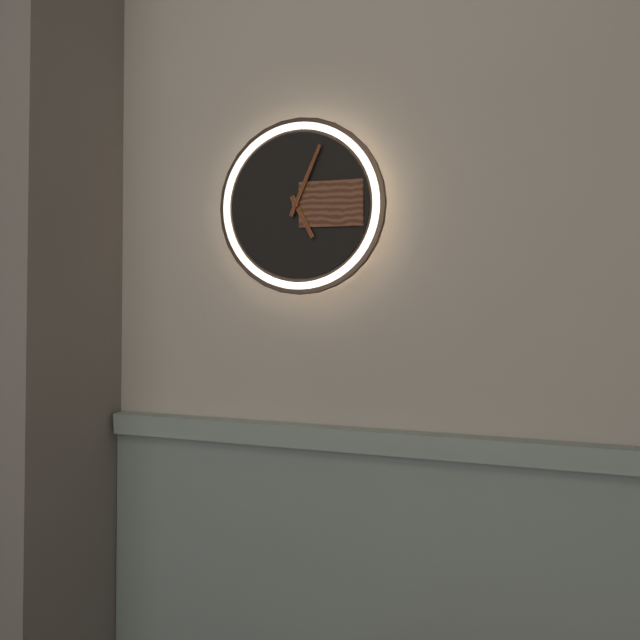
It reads {"hour": 5, "minute": 4}
